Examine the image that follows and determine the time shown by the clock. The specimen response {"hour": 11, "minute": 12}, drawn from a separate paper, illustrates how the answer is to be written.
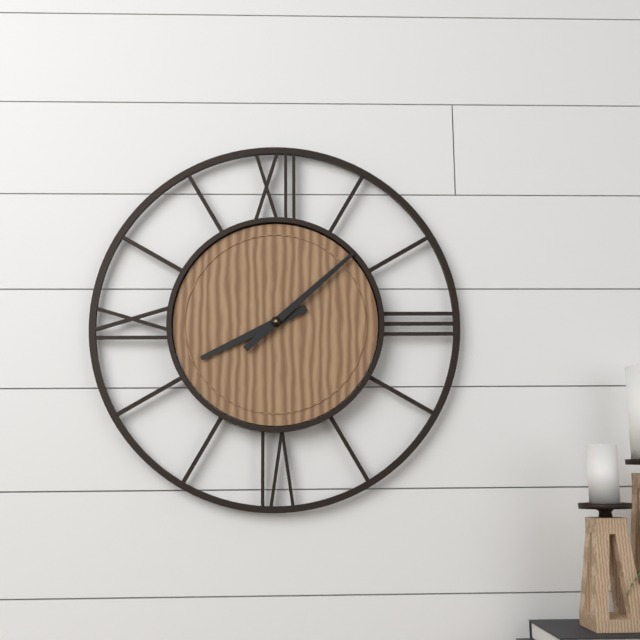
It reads {"hour": 8, "minute": 8}
